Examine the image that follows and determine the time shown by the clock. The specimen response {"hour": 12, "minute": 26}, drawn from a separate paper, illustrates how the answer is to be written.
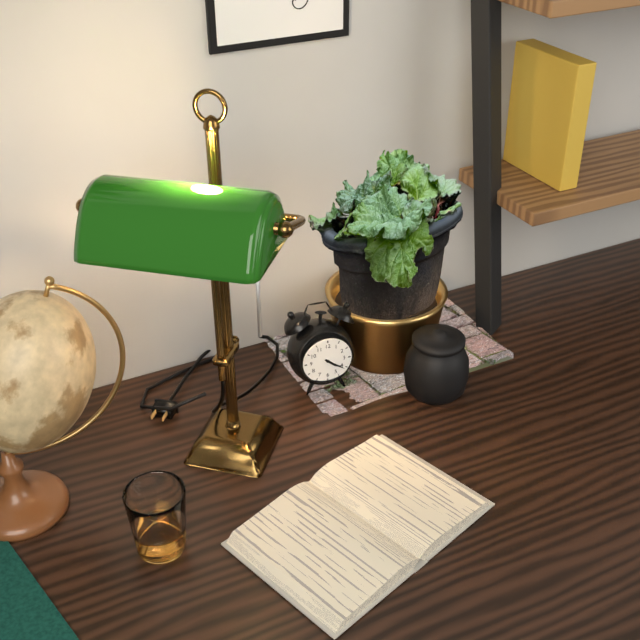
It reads {"hour": 4, "minute": 21}
